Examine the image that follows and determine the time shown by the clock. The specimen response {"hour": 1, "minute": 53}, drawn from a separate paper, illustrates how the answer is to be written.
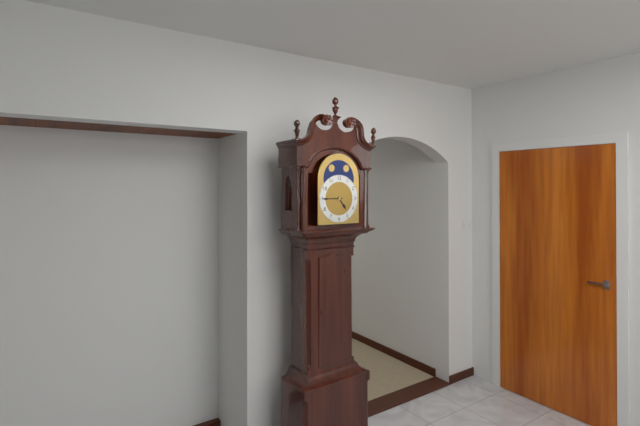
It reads {"hour": 4, "minute": 45}
